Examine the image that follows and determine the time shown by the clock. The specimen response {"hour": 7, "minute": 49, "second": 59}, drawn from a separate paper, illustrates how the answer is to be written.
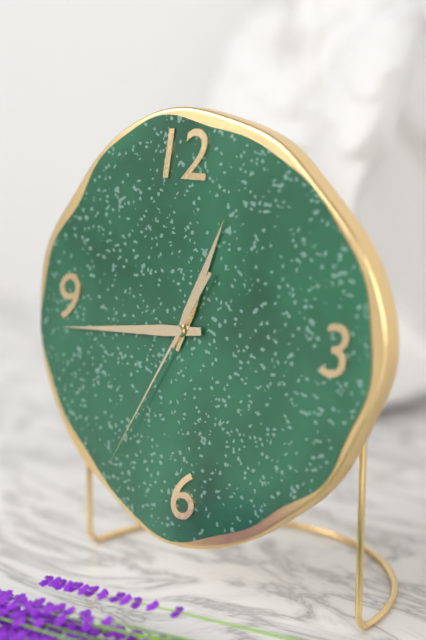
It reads {"hour": 12, "minute": 44, "second": 35}
